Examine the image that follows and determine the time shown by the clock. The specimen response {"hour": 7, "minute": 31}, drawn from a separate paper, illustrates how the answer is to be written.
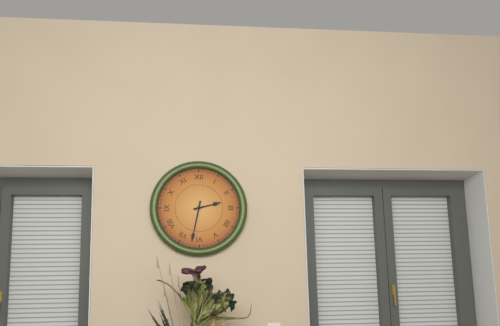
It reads {"hour": 2, "minute": 32}
